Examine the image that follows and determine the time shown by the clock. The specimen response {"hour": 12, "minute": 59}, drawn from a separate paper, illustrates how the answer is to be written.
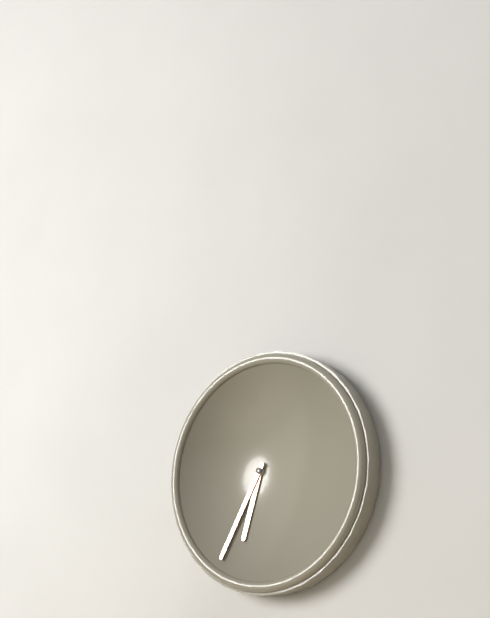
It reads {"hour": 6, "minute": 35}
